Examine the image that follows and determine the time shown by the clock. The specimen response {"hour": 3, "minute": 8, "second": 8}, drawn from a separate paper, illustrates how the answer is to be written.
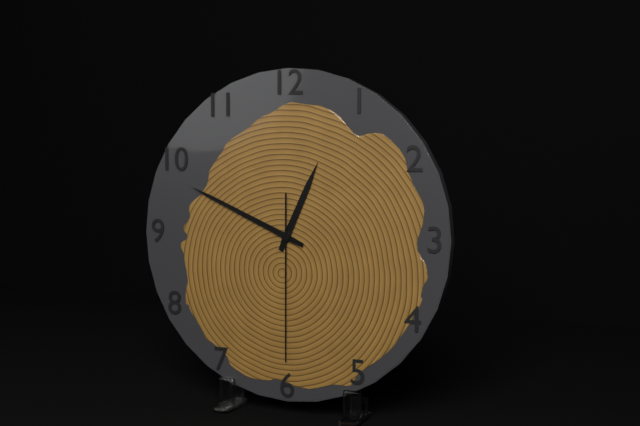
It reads {"hour": 12, "minute": 49, "second": 30}
